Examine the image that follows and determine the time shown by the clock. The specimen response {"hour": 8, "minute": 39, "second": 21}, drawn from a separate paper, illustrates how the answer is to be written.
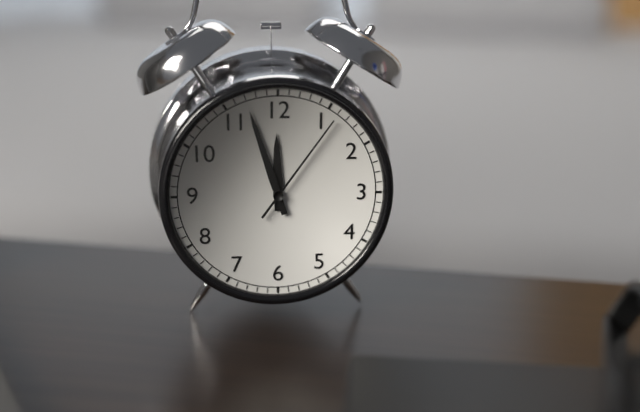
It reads {"hour": 11, "minute": 57, "second": 6}
